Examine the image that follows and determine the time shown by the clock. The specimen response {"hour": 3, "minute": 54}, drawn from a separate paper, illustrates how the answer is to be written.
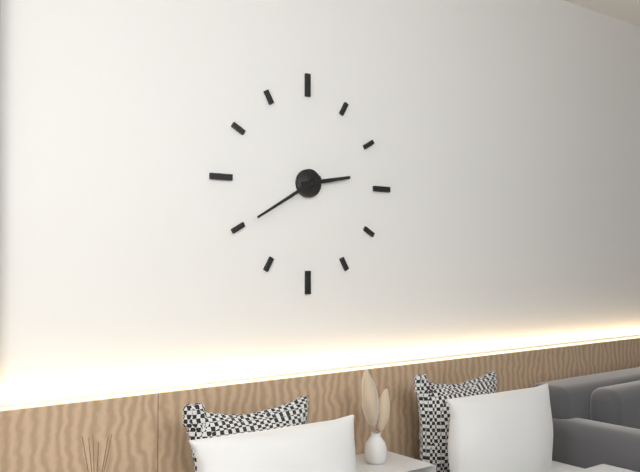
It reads {"hour": 2, "minute": 40}
